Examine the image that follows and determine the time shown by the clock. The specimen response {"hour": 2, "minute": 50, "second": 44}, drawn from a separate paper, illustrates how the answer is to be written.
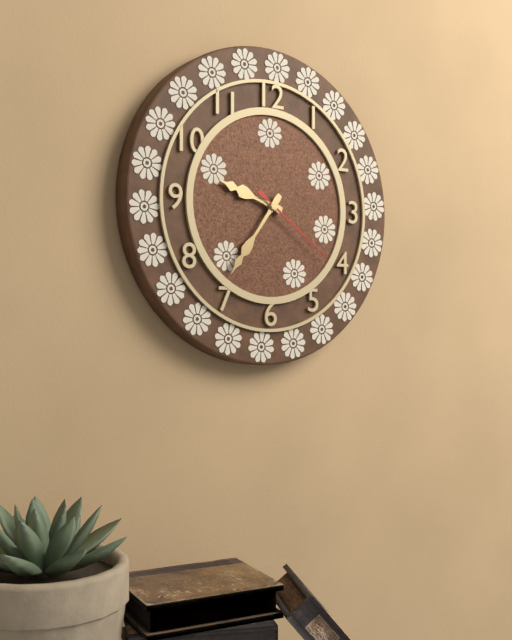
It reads {"hour": 9, "minute": 36, "second": 21}
